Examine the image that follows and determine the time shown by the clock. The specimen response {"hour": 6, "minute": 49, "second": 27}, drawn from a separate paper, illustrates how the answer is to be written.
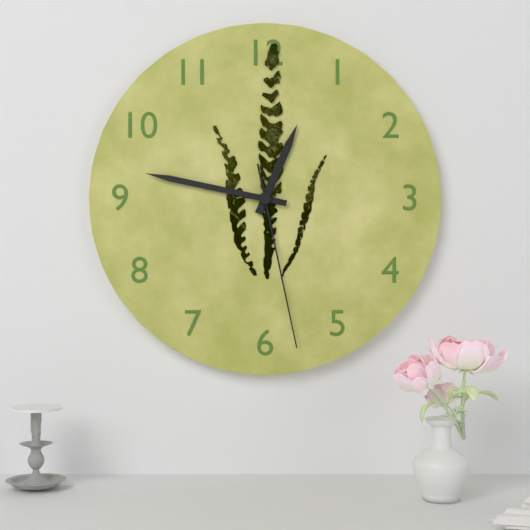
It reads {"hour": 12, "minute": 47, "second": 28}
